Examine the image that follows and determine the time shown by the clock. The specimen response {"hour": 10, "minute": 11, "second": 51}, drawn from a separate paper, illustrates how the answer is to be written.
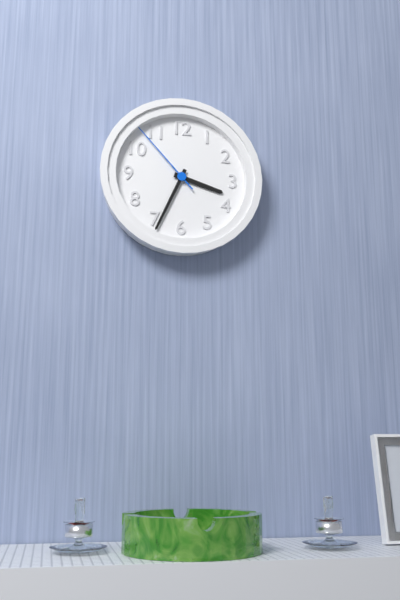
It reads {"hour": 3, "minute": 34, "second": 53}
